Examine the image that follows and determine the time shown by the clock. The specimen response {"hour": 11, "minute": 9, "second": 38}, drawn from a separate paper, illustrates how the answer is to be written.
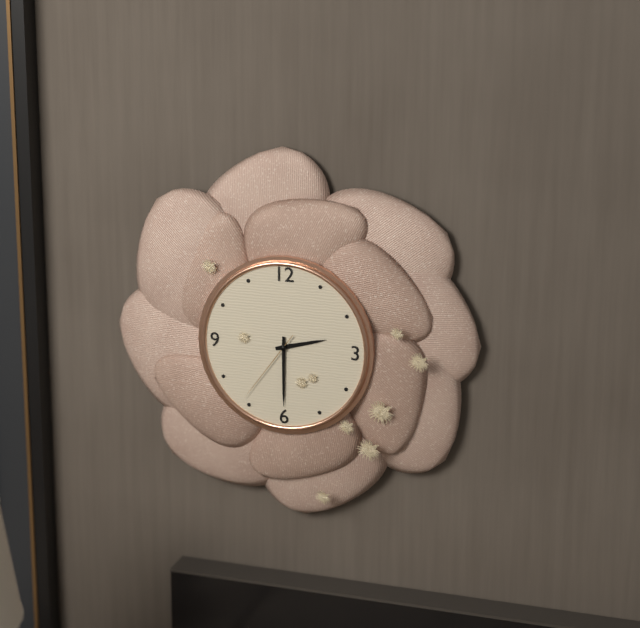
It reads {"hour": 2, "minute": 30, "second": 36}
